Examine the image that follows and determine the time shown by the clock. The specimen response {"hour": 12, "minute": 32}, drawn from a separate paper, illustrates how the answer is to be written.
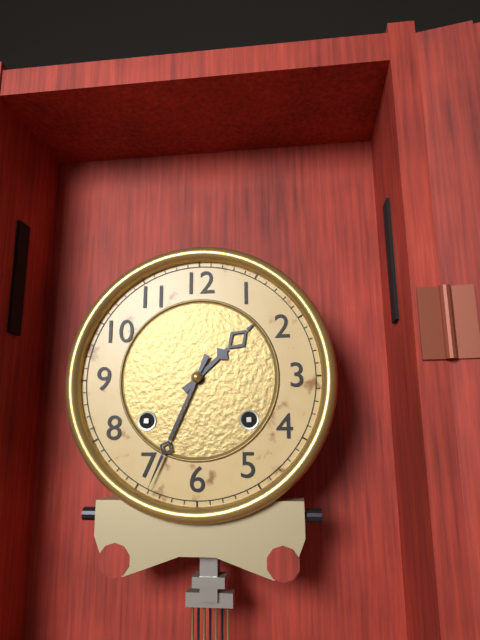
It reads {"hour": 1, "minute": 34}
